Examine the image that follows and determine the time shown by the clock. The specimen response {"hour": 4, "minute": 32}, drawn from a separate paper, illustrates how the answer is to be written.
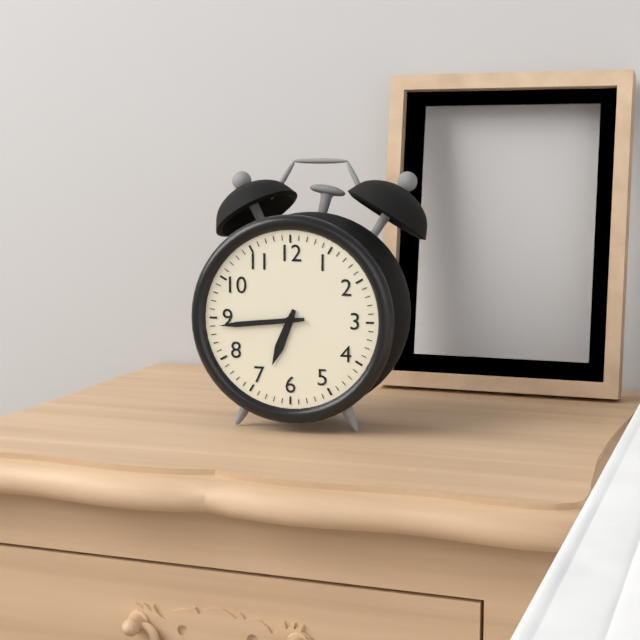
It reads {"hour": 6, "minute": 44}
